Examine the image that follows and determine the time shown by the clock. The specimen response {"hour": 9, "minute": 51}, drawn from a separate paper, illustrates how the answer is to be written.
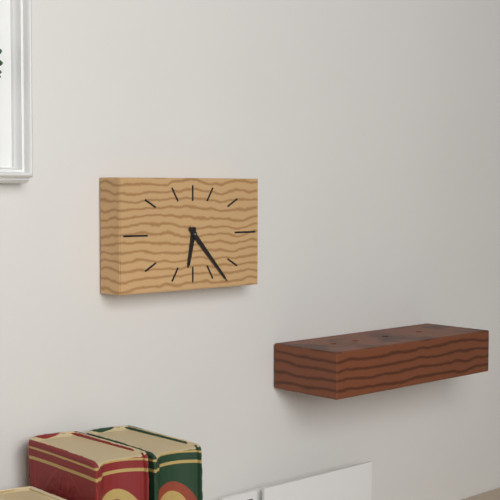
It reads {"hour": 6, "minute": 23}
